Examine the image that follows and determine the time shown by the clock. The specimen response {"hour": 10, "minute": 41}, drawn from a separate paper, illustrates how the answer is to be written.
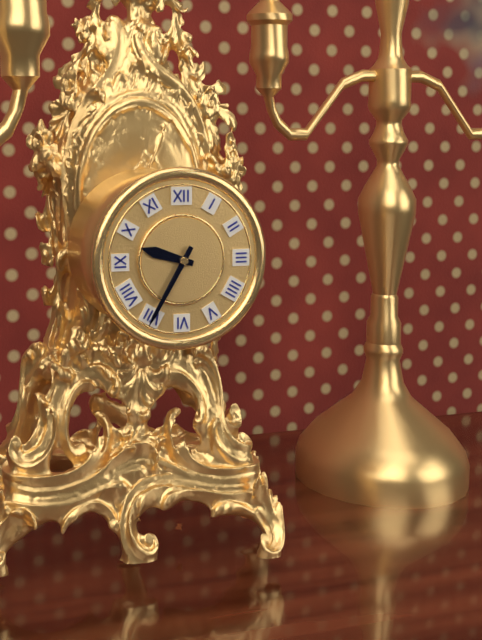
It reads {"hour": 9, "minute": 35}
